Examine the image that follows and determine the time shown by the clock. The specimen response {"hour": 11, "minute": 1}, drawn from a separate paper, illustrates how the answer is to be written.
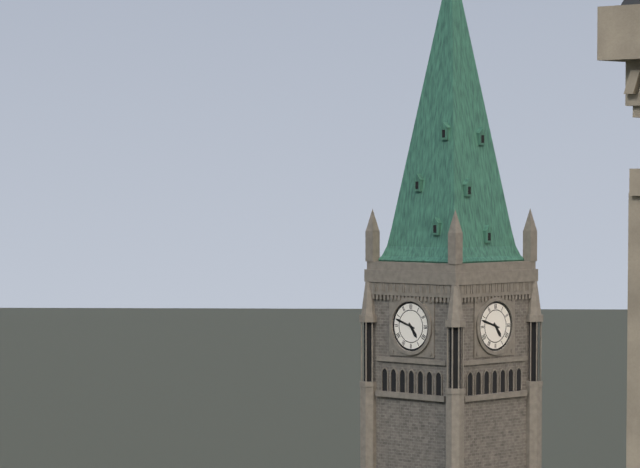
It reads {"hour": 4, "minute": 48}
